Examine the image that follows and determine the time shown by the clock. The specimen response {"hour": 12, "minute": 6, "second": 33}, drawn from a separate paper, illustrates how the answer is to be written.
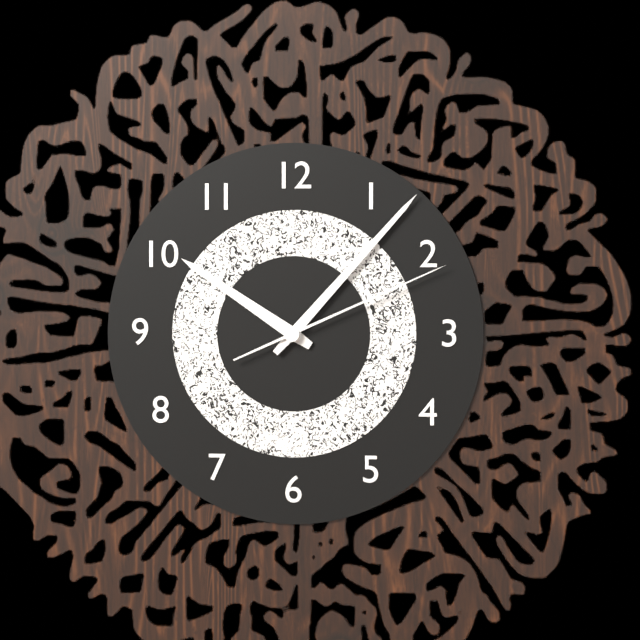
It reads {"hour": 10, "minute": 7, "second": 11}
